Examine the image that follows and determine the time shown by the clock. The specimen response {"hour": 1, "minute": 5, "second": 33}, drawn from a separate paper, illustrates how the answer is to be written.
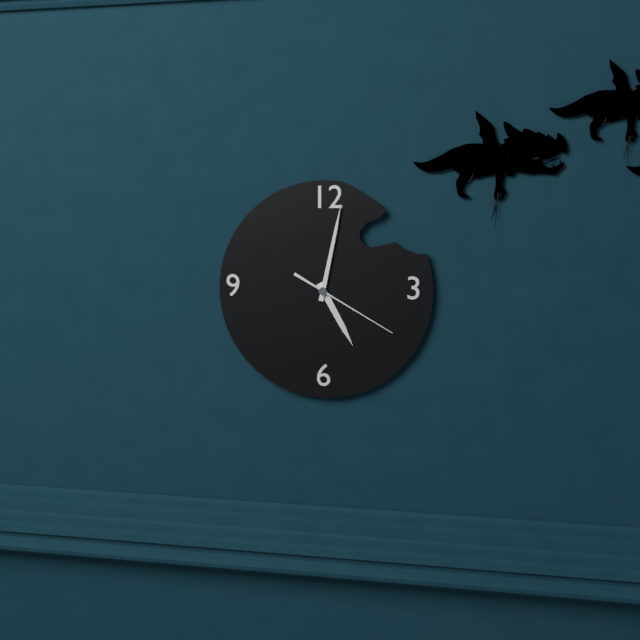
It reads {"hour": 5, "minute": 2, "second": 20}
